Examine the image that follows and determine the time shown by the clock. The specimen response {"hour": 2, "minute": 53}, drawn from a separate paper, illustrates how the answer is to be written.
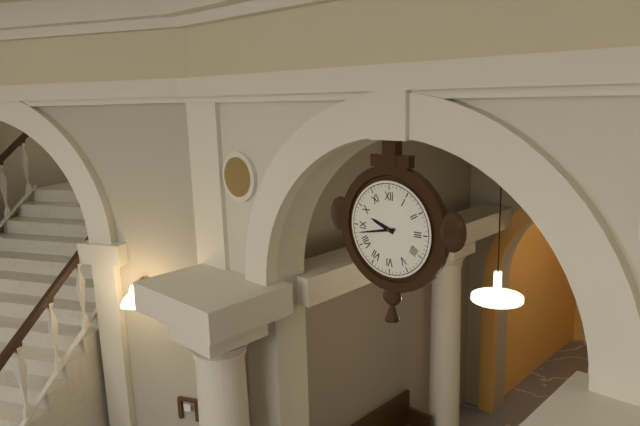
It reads {"hour": 9, "minute": 43}
